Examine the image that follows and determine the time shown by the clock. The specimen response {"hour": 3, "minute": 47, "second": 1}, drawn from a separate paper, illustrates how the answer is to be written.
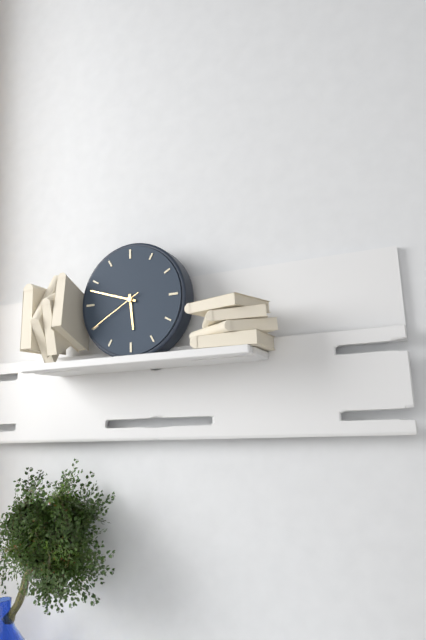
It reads {"hour": 5, "minute": 48, "second": 40}
